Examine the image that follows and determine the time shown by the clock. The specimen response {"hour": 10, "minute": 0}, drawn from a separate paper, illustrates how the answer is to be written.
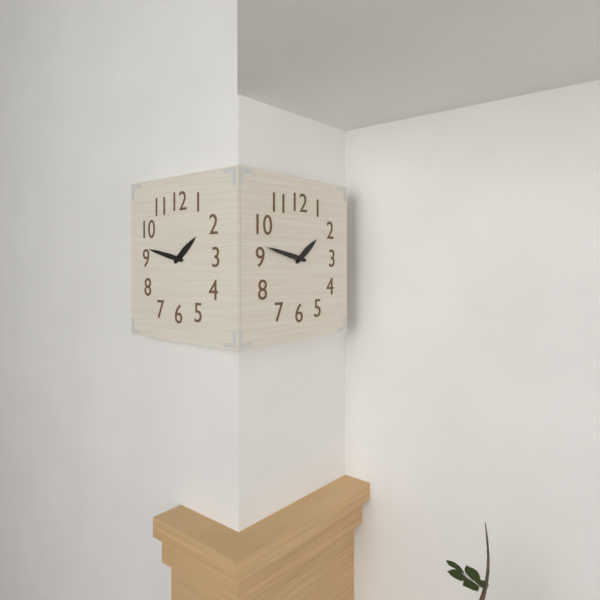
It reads {"hour": 1, "minute": 47}
